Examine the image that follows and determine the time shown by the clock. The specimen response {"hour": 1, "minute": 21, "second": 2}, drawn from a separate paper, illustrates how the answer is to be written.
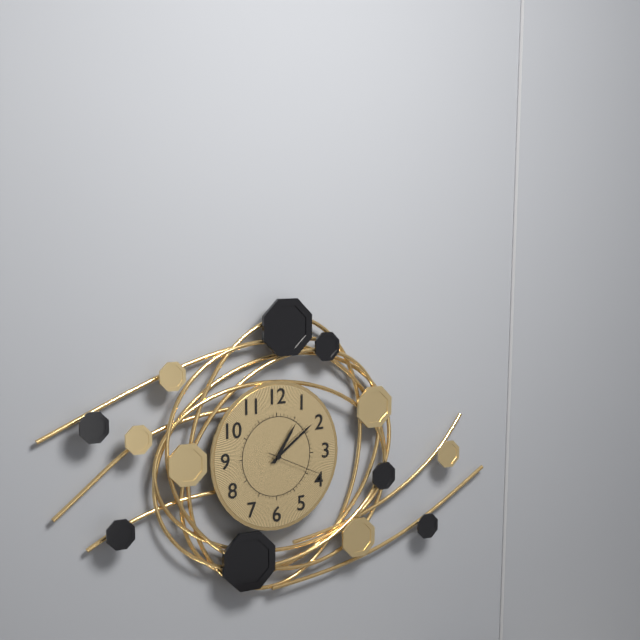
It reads {"hour": 1, "minute": 9, "second": 19}
